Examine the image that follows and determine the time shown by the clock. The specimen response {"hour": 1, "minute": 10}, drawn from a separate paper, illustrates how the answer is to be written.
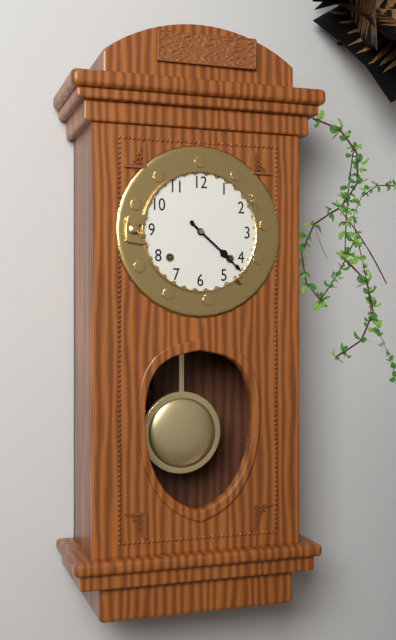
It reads {"hour": 4, "minute": 22}
